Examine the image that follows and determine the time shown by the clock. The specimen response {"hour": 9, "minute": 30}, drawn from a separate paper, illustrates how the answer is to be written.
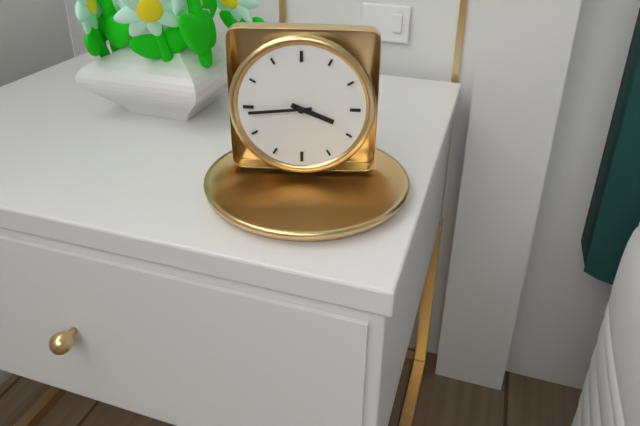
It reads {"hour": 3, "minute": 44}
